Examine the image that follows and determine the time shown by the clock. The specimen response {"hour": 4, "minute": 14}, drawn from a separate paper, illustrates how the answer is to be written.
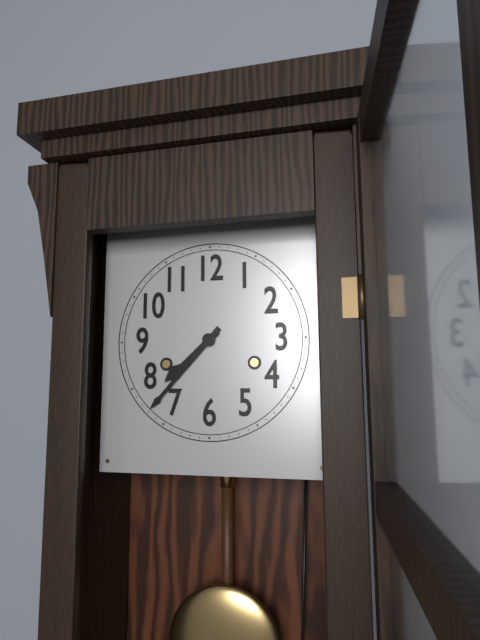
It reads {"hour": 7, "minute": 37}
